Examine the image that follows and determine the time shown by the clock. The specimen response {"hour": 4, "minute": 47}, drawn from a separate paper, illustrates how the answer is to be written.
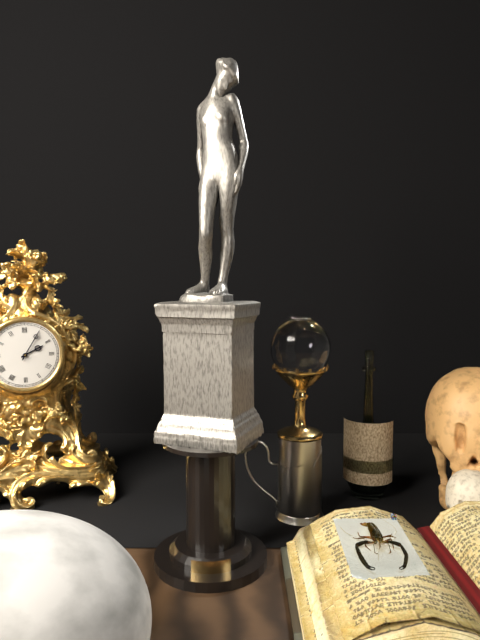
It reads {"hour": 2, "minute": 5}
